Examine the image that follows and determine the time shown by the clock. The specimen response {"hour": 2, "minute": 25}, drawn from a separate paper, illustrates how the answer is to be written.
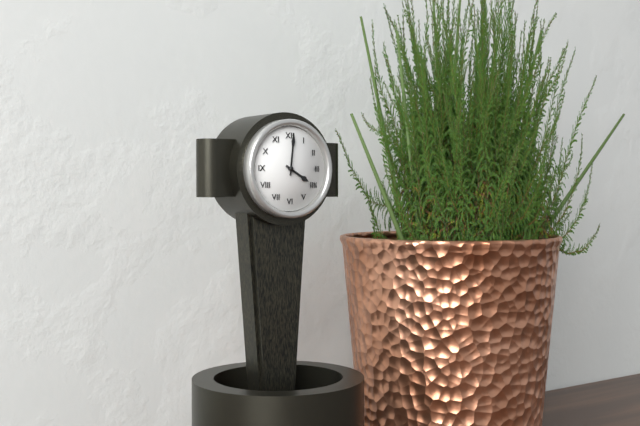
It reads {"hour": 4, "minute": 1}
